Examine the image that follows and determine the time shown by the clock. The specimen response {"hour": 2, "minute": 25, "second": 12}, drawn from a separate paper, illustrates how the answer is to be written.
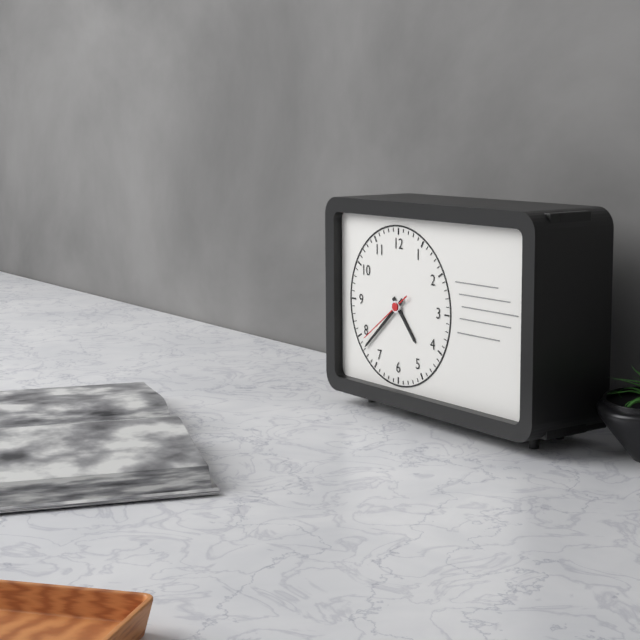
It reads {"hour": 4, "minute": 38, "second": 39}
